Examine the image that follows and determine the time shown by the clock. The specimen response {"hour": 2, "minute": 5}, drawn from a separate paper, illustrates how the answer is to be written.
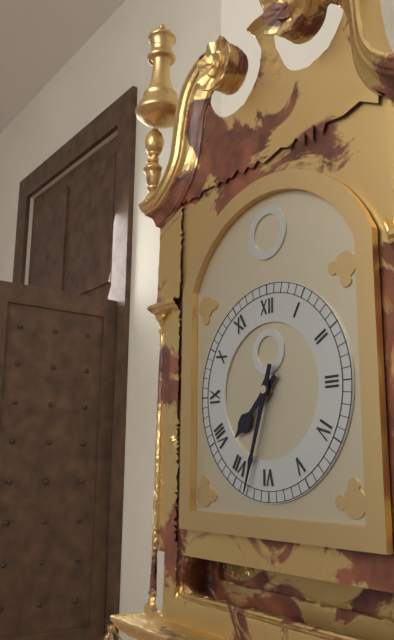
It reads {"hour": 7, "minute": 33}
